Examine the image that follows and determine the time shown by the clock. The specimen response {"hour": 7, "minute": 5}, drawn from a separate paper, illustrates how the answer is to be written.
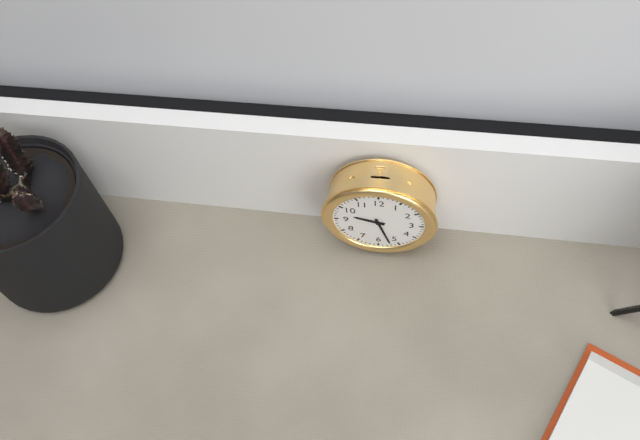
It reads {"hour": 9, "minute": 27}
